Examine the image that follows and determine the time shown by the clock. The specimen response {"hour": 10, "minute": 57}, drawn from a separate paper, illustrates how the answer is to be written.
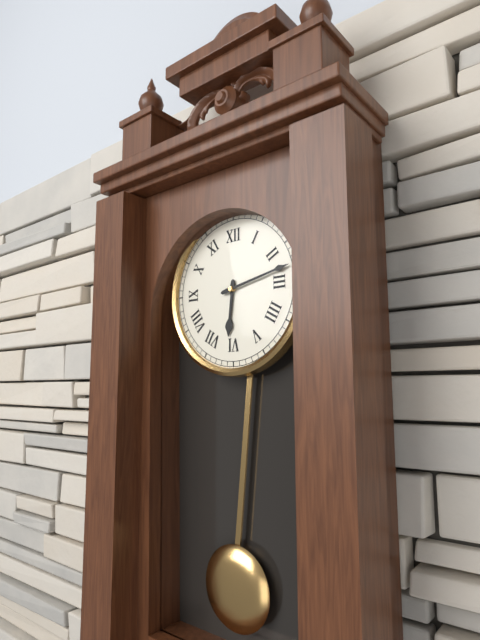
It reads {"hour": 6, "minute": 13}
